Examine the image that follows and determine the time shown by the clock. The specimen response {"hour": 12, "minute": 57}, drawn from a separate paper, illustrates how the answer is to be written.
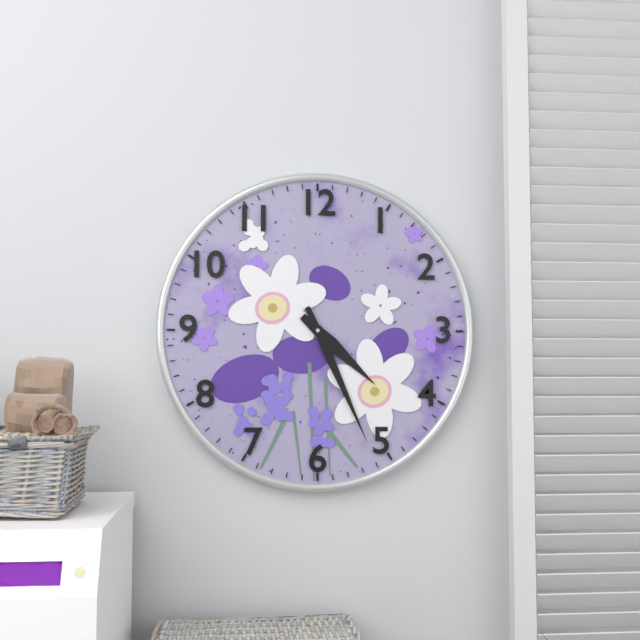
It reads {"hour": 4, "minute": 26}
